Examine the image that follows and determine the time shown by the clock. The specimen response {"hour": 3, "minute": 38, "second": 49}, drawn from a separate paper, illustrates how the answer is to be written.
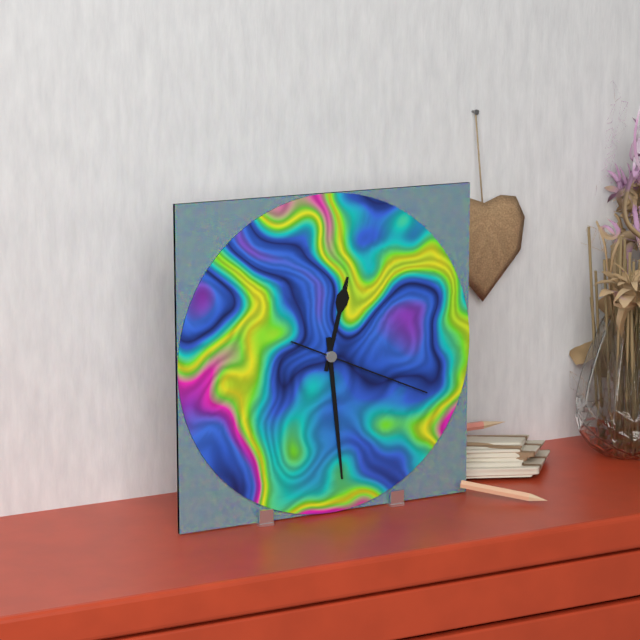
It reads {"hour": 12, "minute": 29, "second": 19}
